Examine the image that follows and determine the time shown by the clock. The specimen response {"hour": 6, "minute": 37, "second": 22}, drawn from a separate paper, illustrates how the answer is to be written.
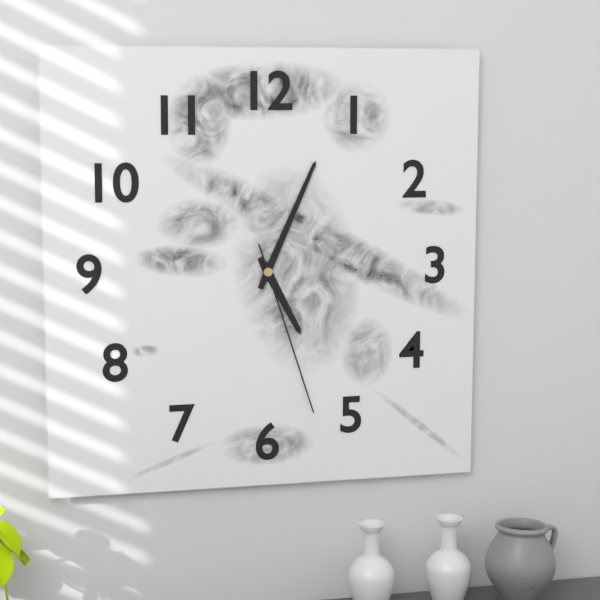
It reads {"hour": 5, "minute": 4, "second": 27}
